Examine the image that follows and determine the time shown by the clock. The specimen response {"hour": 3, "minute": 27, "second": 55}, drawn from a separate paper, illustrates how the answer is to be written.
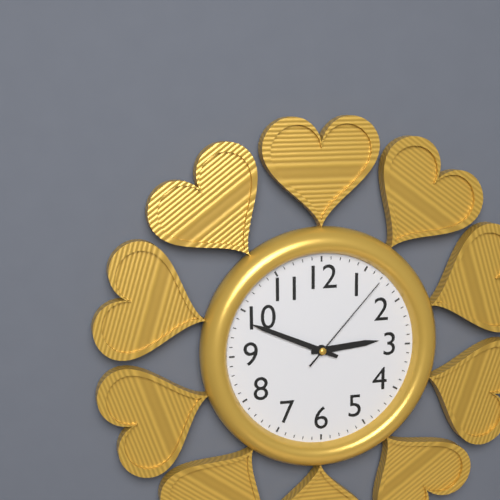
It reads {"hour": 2, "minute": 49, "second": 7}
